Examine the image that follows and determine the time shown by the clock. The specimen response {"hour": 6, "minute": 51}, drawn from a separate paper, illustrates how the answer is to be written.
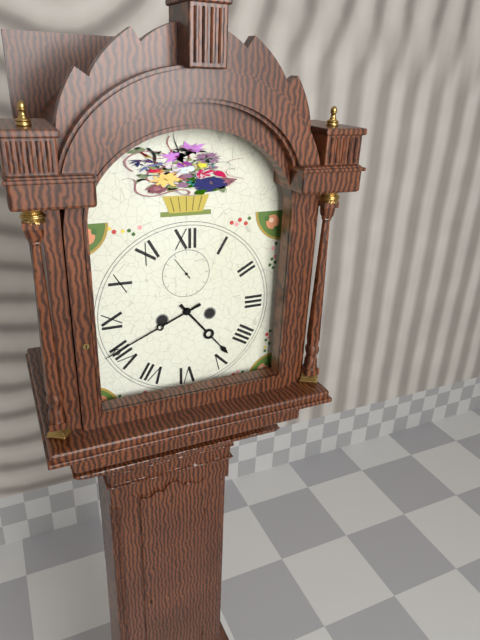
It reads {"hour": 4, "minute": 41}
